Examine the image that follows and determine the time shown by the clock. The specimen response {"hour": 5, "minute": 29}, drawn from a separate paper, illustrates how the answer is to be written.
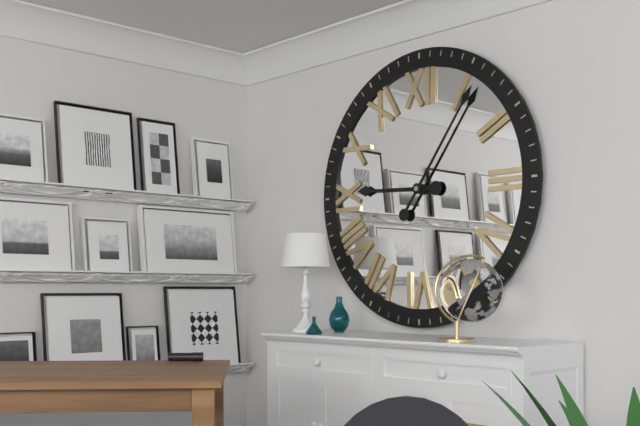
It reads {"hour": 9, "minute": 6}
